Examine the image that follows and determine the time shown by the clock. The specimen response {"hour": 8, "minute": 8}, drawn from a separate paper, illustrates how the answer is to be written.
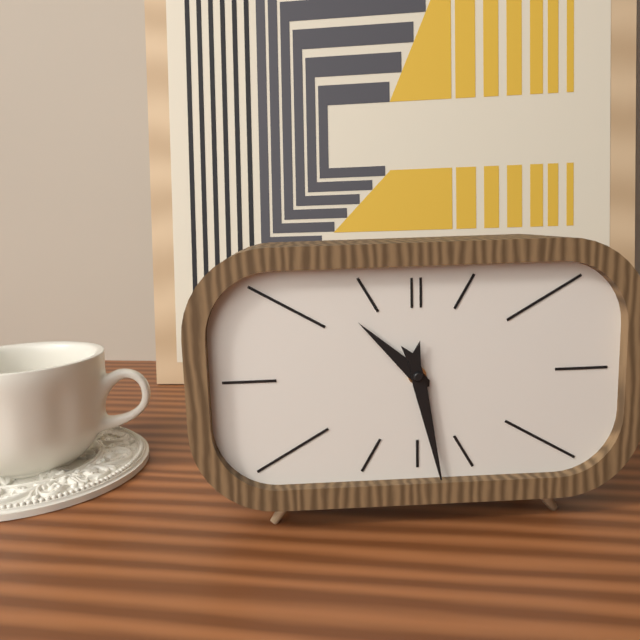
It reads {"hour": 10, "minute": 28}
